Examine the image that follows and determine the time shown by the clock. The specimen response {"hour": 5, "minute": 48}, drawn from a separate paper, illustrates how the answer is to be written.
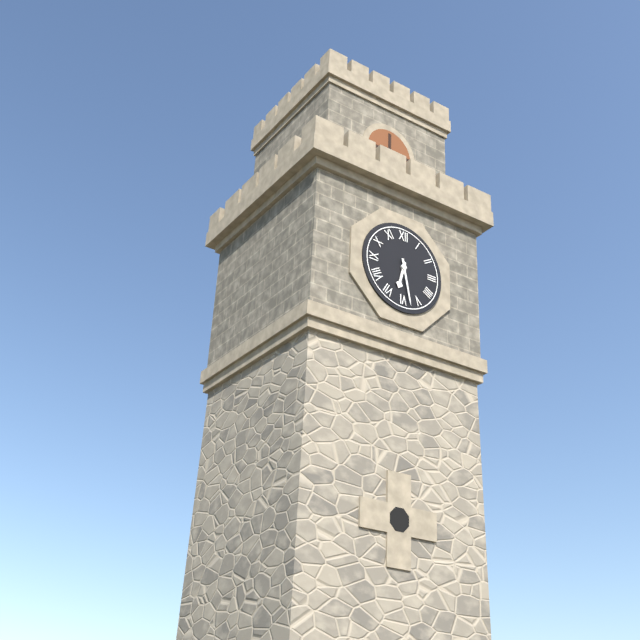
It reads {"hour": 6, "minute": 28}
